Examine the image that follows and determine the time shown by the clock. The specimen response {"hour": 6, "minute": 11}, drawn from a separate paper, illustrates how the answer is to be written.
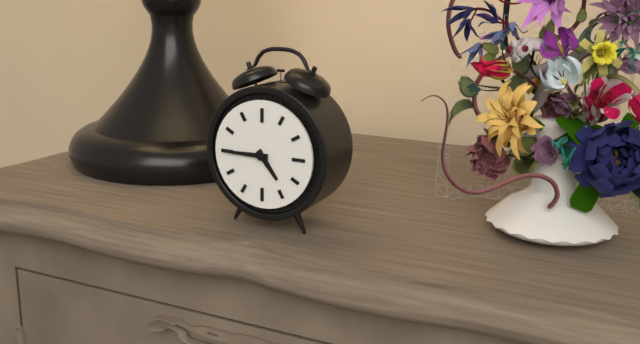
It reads {"hour": 4, "minute": 45}
